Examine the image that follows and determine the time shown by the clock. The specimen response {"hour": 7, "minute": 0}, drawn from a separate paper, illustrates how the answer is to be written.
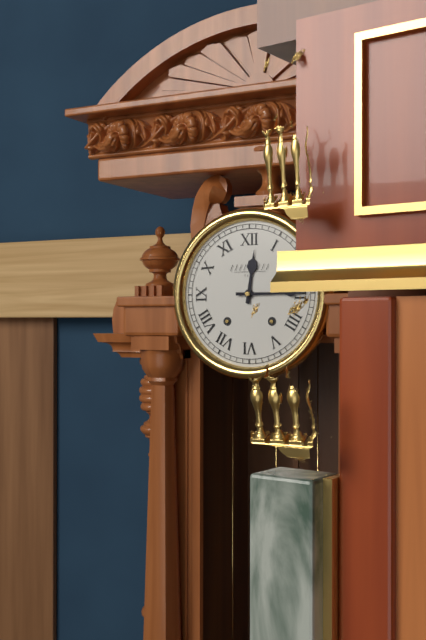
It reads {"hour": 12, "minute": 15}
